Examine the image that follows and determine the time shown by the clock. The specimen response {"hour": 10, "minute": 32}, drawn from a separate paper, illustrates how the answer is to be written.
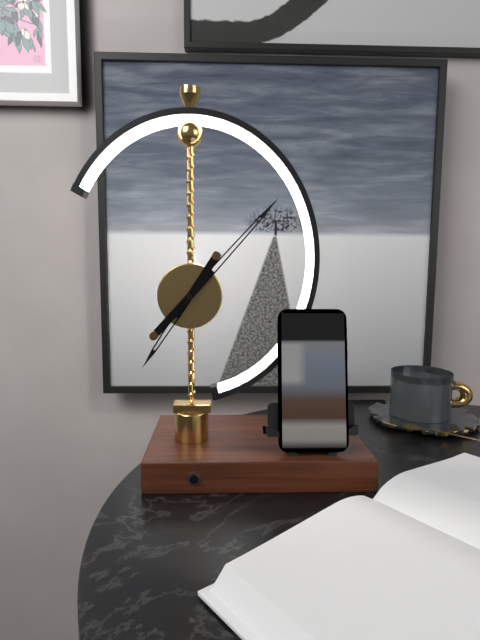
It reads {"hour": 7, "minute": 7}
